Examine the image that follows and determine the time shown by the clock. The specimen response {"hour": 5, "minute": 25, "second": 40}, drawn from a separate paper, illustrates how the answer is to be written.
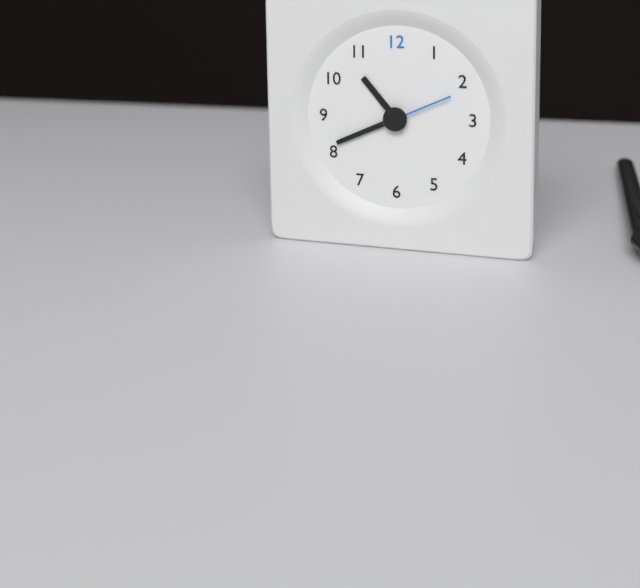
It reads {"hour": 10, "minute": 41, "second": 11}
